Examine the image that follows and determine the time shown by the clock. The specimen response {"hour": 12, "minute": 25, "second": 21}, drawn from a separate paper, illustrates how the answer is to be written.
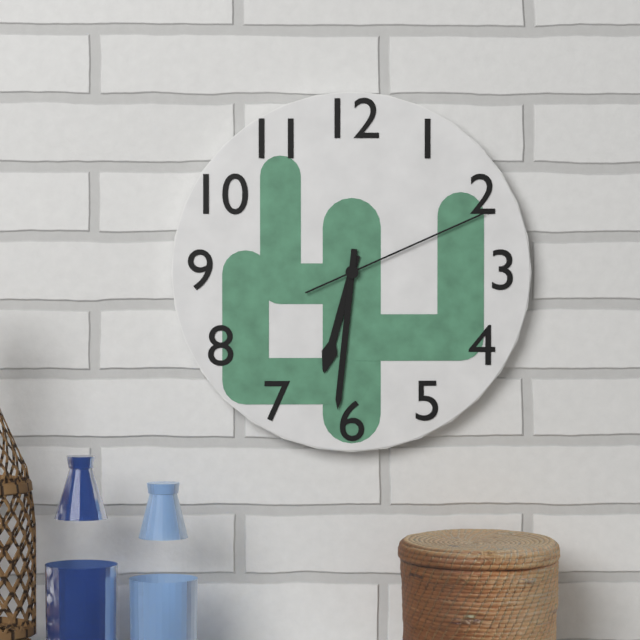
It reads {"hour": 6, "minute": 31, "second": 11}
